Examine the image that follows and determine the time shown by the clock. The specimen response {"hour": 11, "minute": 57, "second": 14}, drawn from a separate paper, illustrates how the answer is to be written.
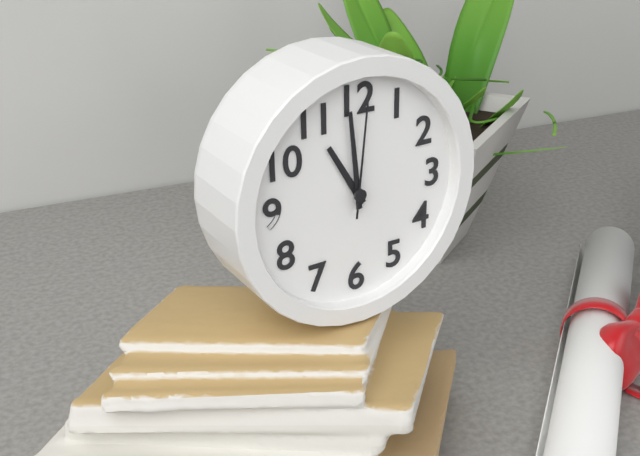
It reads {"hour": 10, "minute": 59, "second": 1}
